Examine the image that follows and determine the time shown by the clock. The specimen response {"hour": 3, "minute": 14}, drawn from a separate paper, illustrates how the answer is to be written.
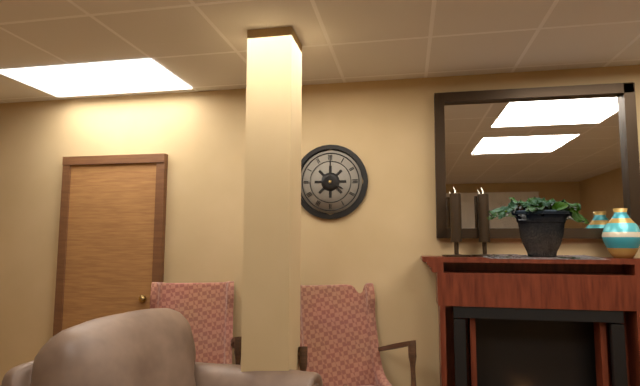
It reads {"hour": 4, "minute": 0}
